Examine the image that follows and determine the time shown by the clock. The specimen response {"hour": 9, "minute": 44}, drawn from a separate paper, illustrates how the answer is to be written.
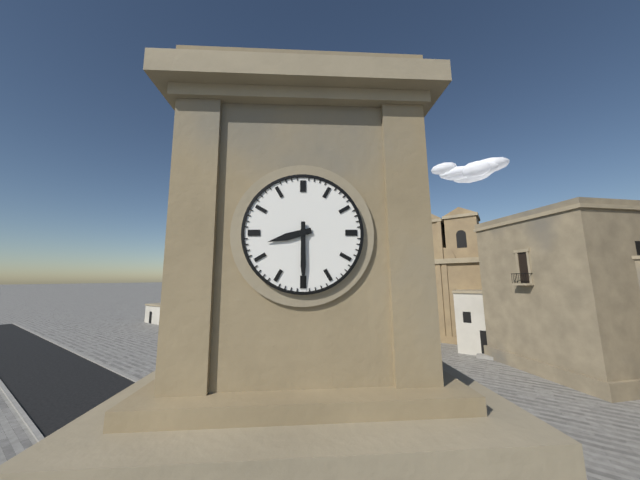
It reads {"hour": 8, "minute": 30}
